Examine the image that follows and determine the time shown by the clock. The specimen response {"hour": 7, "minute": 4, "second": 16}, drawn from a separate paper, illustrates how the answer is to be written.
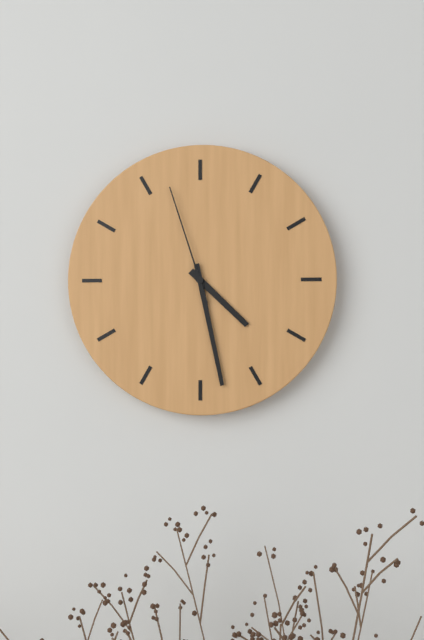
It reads {"hour": 4, "minute": 28, "second": 57}
